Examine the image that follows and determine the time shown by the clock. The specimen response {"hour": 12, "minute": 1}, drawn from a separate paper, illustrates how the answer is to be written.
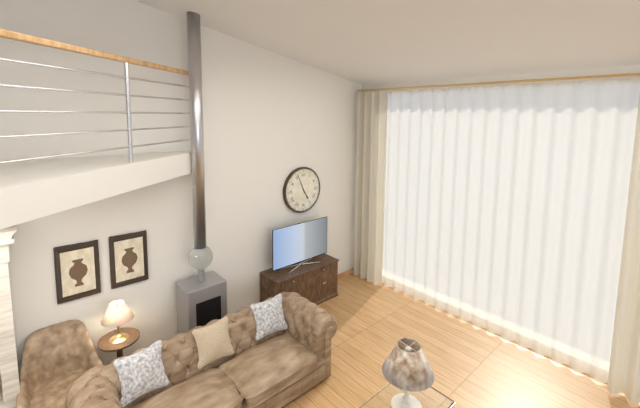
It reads {"hour": 4, "minute": 56}
